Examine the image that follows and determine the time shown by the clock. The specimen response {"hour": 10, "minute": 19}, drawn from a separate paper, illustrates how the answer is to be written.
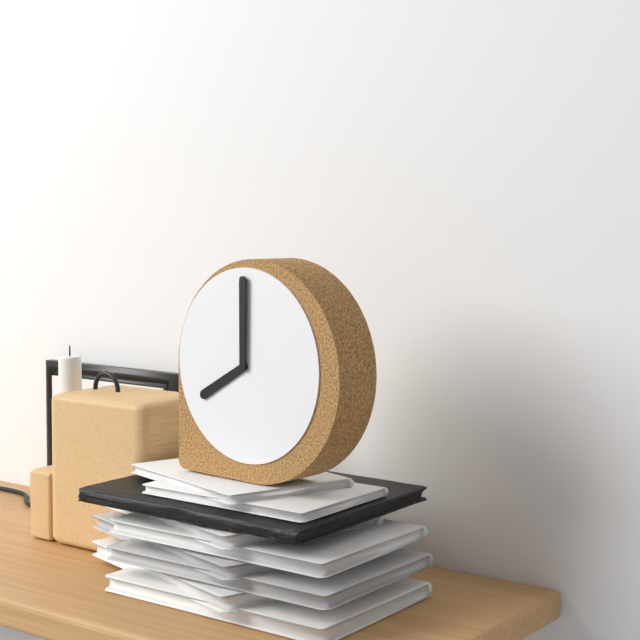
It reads {"hour": 8, "minute": 0}
